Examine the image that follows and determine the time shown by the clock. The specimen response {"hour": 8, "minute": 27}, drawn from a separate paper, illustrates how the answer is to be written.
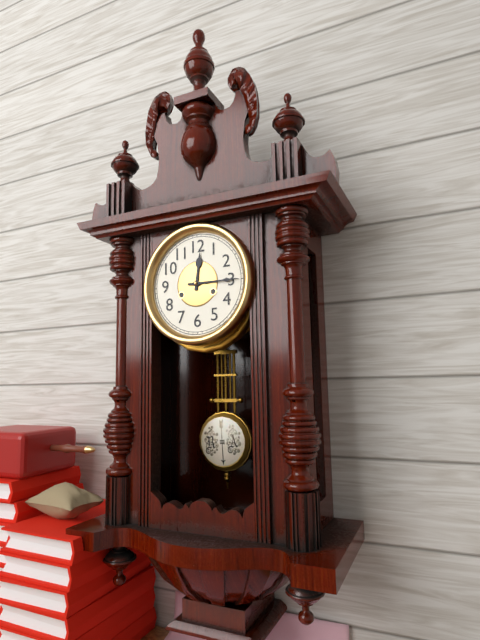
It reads {"hour": 12, "minute": 15}
